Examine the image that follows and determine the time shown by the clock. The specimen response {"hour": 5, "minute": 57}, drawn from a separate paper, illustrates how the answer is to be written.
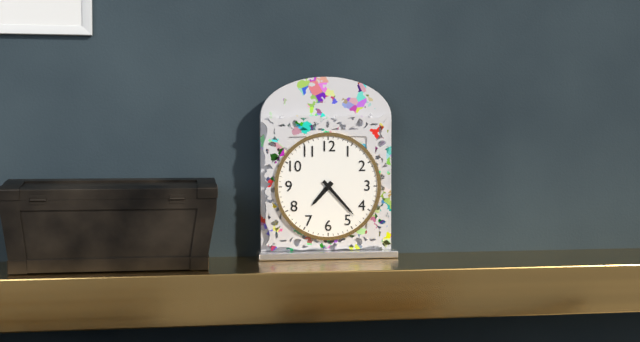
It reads {"hour": 7, "minute": 23}
